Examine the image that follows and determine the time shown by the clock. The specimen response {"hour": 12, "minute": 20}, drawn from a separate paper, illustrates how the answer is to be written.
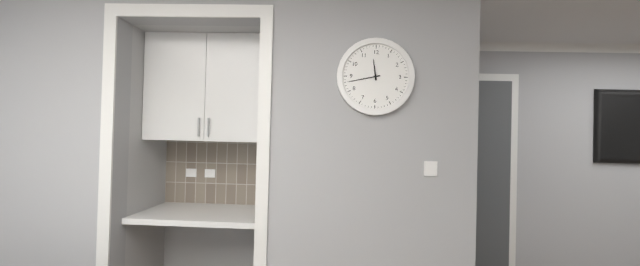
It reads {"hour": 11, "minute": 43}
